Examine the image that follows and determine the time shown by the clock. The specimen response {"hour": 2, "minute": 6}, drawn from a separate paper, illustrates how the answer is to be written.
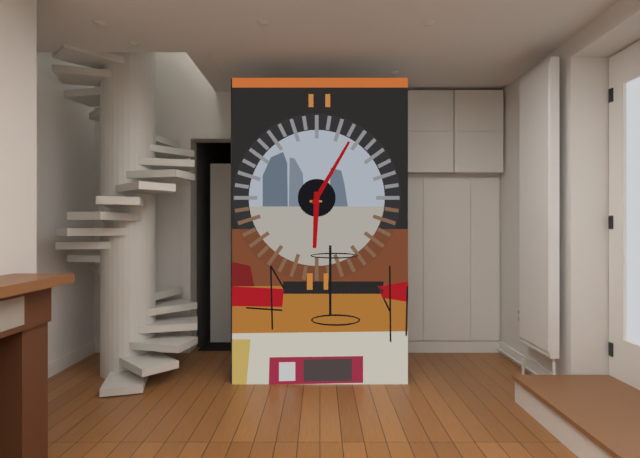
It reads {"hour": 6, "minute": 5}
